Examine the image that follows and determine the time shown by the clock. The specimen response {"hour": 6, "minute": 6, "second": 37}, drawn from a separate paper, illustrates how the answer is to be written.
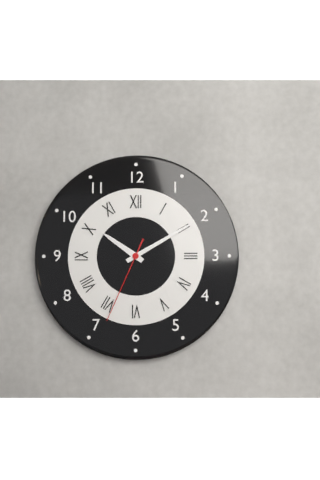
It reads {"hour": 10, "minute": 10, "second": 34}
